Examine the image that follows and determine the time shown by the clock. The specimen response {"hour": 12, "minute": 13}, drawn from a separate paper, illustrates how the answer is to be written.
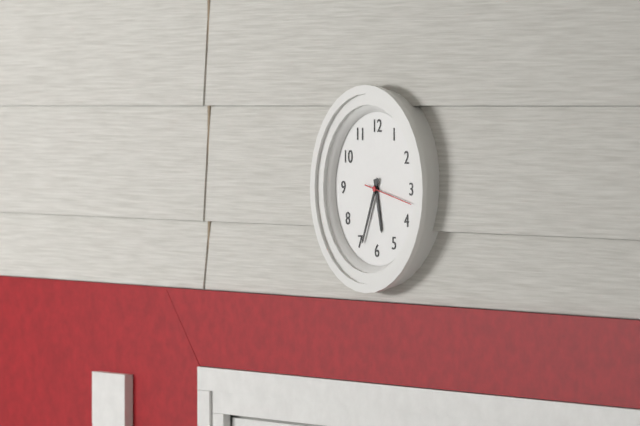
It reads {"hour": 5, "minute": 34}
